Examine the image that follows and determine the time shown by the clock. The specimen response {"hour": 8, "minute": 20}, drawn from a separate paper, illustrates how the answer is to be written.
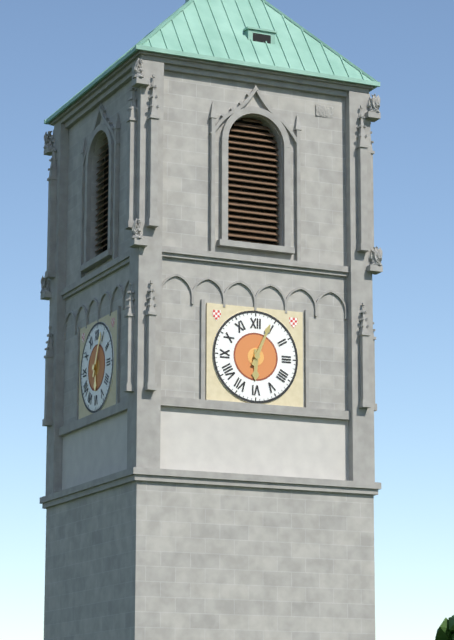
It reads {"hour": 6, "minute": 4}
